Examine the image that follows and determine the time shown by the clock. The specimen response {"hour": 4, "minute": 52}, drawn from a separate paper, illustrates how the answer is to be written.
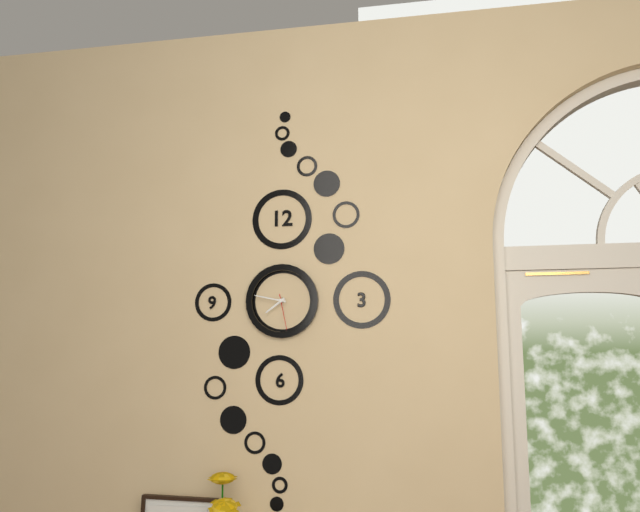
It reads {"hour": 7, "minute": 47}
